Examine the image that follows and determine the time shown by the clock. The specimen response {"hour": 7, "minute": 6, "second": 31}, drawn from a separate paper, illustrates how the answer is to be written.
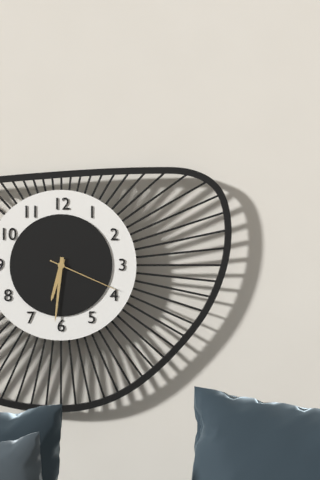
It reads {"hour": 6, "minute": 31, "second": 19}
